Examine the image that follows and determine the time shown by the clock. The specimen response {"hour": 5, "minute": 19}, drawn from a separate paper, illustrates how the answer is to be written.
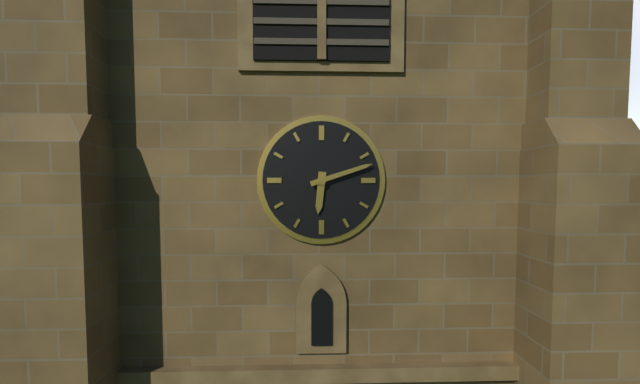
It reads {"hour": 6, "minute": 12}
